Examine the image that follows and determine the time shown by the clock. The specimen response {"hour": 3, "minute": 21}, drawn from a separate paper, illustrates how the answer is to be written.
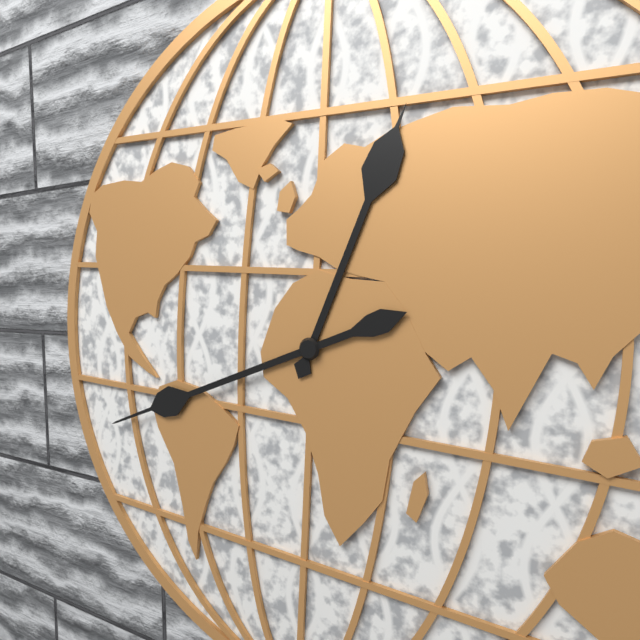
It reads {"hour": 12, "minute": 41}
